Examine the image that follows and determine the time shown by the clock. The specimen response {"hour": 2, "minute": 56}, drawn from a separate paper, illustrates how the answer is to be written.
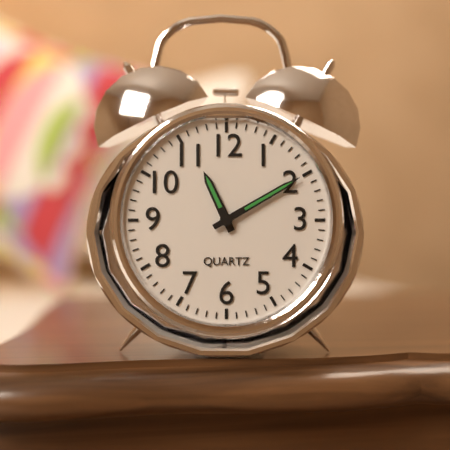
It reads {"hour": 11, "minute": 10}
